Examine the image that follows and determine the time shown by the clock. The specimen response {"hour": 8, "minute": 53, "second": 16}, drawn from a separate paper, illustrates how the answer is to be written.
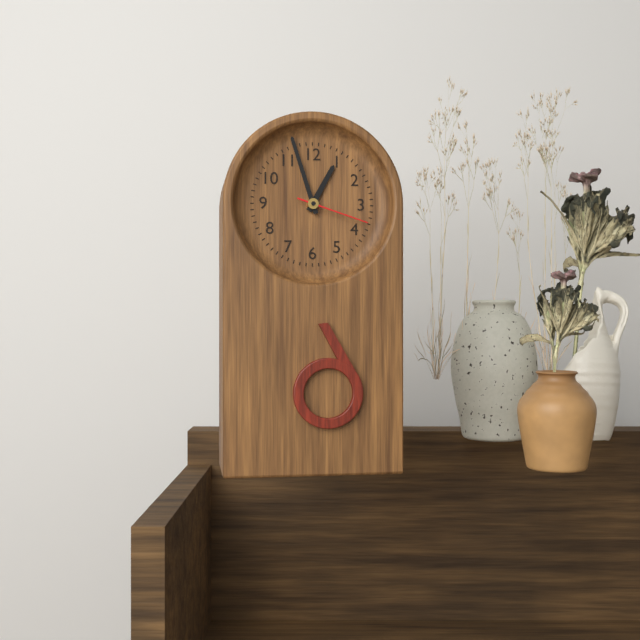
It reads {"hour": 12, "minute": 57, "second": 18}
